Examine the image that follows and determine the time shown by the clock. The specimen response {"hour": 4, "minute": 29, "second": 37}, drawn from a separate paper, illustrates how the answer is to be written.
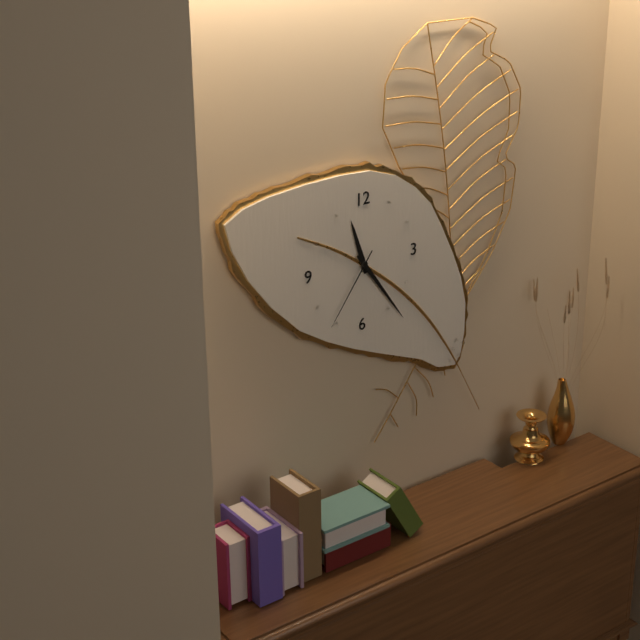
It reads {"hour": 11, "minute": 24, "second": 36}
